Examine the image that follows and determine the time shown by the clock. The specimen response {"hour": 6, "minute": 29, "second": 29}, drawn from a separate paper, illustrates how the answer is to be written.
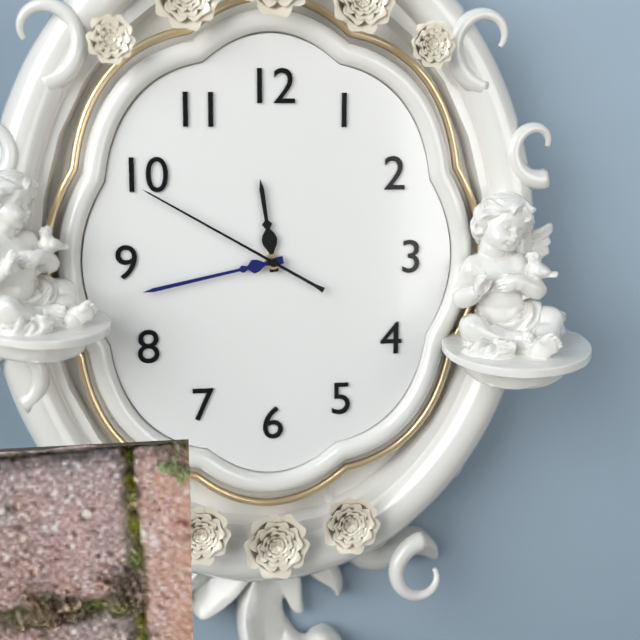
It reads {"hour": 11, "minute": 43, "second": 50}
